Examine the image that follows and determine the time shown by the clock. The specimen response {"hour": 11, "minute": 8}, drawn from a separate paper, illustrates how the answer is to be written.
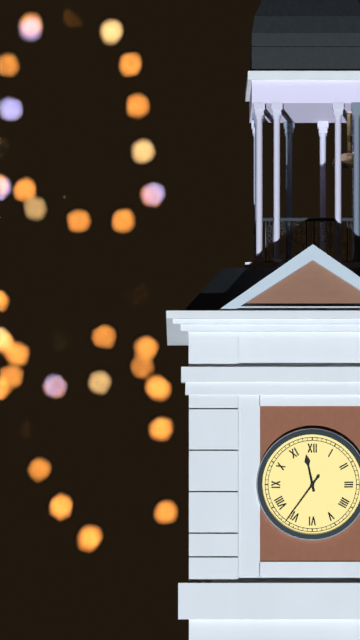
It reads {"hour": 11, "minute": 36}
